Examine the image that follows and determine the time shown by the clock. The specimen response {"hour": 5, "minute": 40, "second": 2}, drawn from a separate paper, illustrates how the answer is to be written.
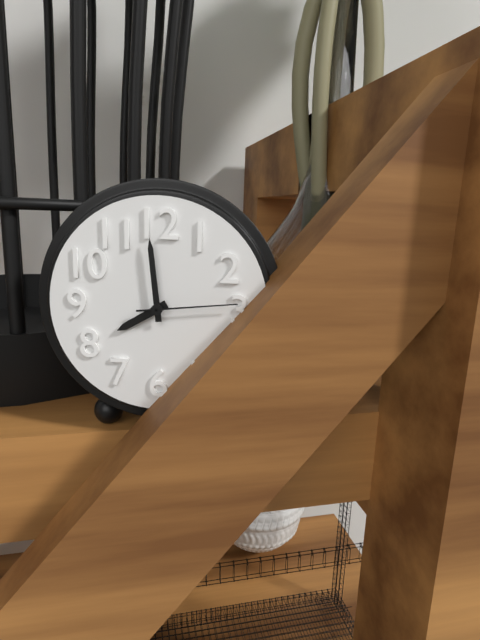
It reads {"hour": 7, "minute": 59, "second": 14}
